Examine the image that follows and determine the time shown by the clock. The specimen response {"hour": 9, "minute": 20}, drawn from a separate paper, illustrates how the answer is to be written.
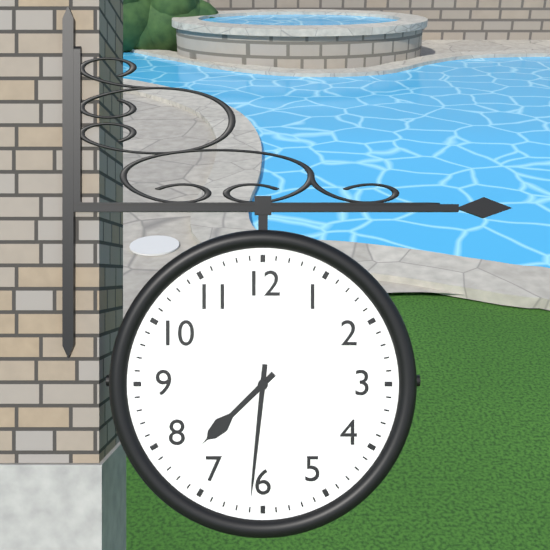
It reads {"hour": 7, "minute": 31}
